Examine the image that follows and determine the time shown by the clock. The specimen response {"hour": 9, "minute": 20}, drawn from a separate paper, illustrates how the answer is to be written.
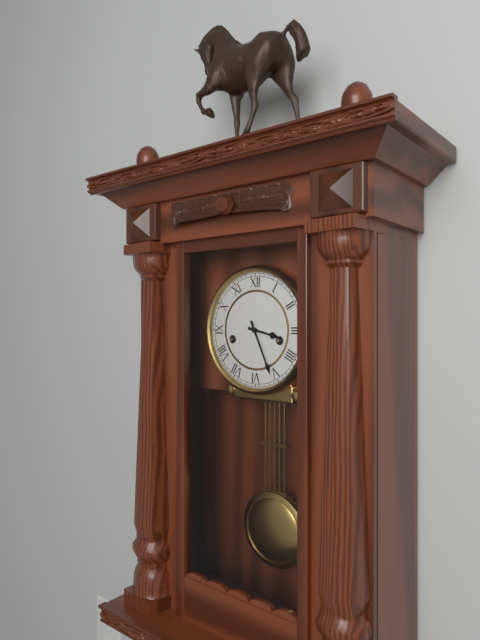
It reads {"hour": 3, "minute": 26}
